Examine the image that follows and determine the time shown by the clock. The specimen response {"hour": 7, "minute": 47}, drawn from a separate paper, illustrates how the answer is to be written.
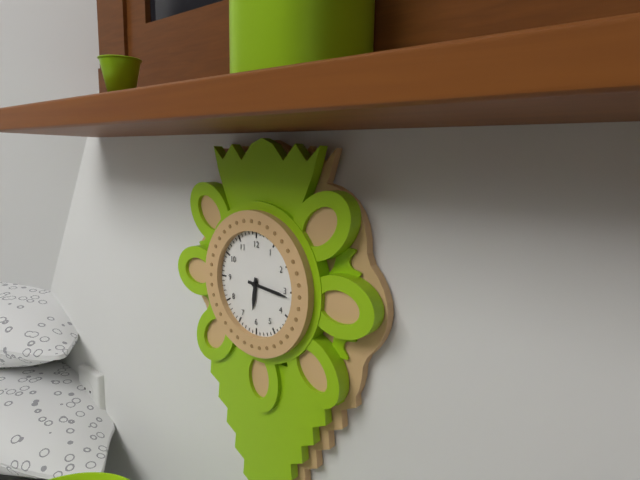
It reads {"hour": 6, "minute": 16}
